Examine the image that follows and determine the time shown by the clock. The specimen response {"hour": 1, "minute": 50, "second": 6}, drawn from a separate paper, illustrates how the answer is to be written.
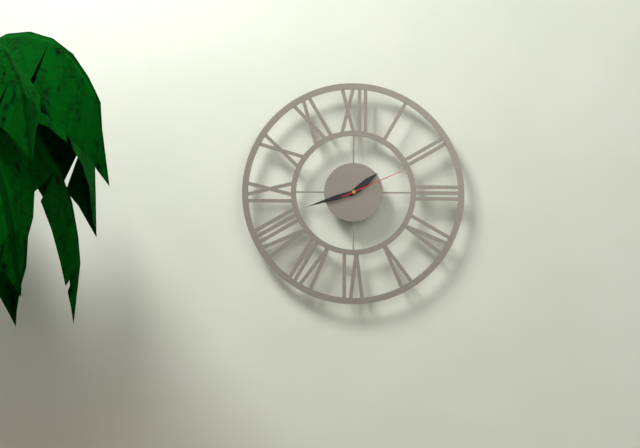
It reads {"hour": 1, "minute": 42, "second": 11}
